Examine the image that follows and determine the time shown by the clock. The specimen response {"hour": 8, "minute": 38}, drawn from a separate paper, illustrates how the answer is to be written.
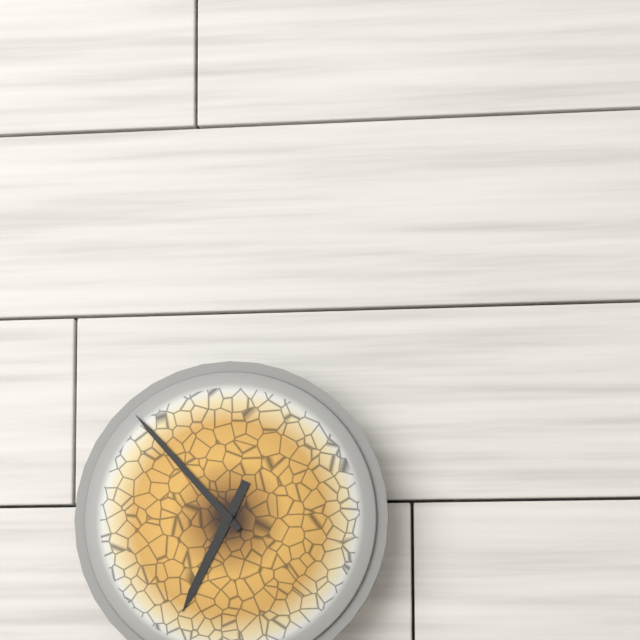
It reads {"hour": 6, "minute": 53}
